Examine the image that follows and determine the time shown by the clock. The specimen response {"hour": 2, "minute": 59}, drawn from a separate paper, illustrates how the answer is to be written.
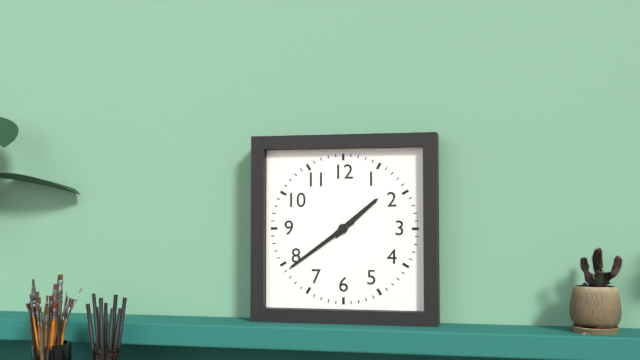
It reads {"hour": 1, "minute": 39}
